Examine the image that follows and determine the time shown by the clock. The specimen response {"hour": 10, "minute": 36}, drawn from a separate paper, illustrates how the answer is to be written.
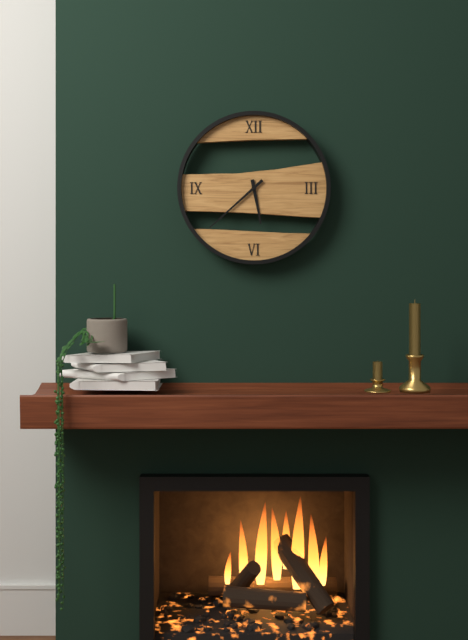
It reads {"hour": 5, "minute": 38}
